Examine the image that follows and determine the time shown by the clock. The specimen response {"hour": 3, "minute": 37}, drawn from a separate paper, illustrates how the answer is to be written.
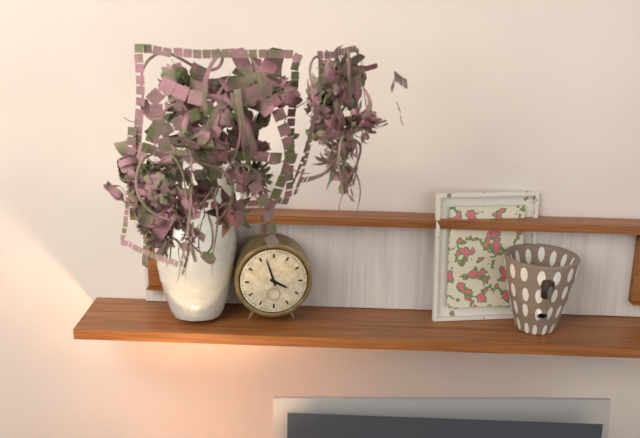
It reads {"hour": 3, "minute": 57}
